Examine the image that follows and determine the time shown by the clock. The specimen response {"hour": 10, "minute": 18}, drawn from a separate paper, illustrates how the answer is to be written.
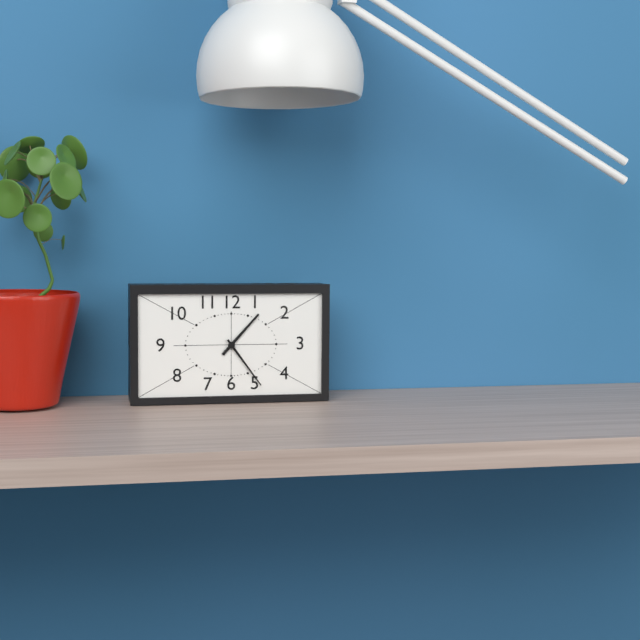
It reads {"hour": 1, "minute": 24}
